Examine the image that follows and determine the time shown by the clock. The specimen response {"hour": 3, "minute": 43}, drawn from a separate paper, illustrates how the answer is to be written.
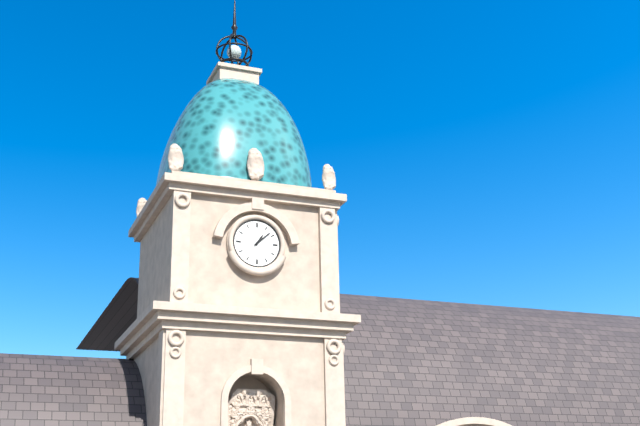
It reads {"hour": 1, "minute": 8}
